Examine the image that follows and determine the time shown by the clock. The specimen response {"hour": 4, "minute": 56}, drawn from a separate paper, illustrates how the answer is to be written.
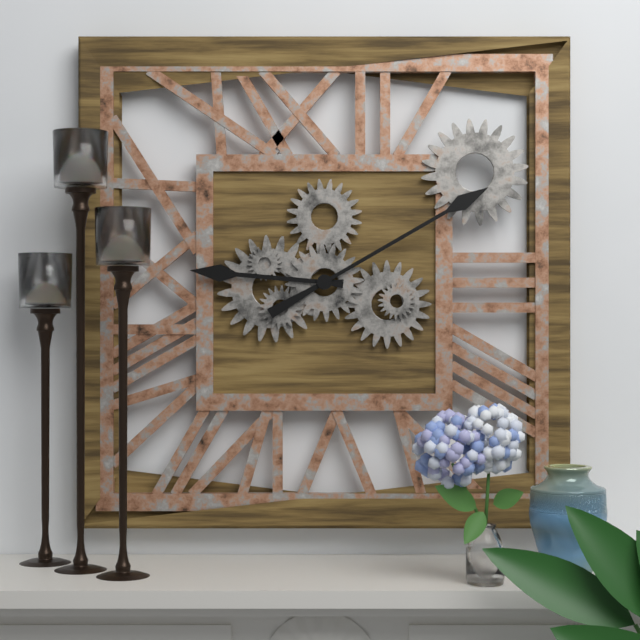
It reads {"hour": 9, "minute": 10}
